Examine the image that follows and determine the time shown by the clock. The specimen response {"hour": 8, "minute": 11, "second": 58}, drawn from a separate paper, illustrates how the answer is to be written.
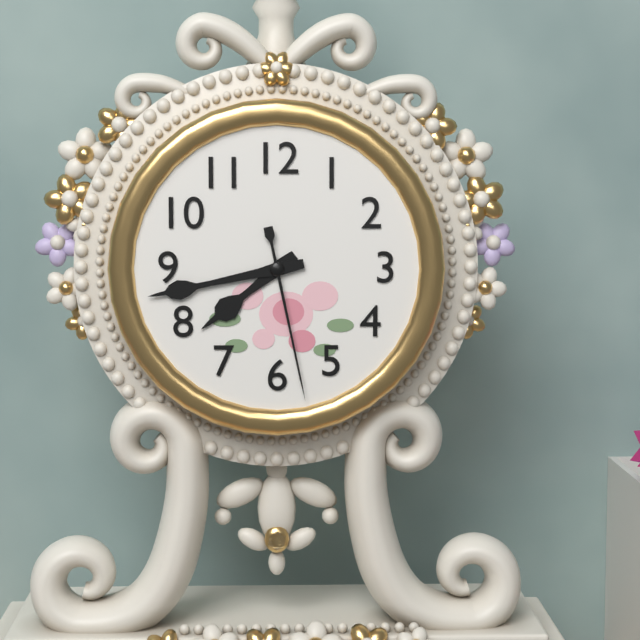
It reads {"hour": 7, "minute": 43, "second": 28}
